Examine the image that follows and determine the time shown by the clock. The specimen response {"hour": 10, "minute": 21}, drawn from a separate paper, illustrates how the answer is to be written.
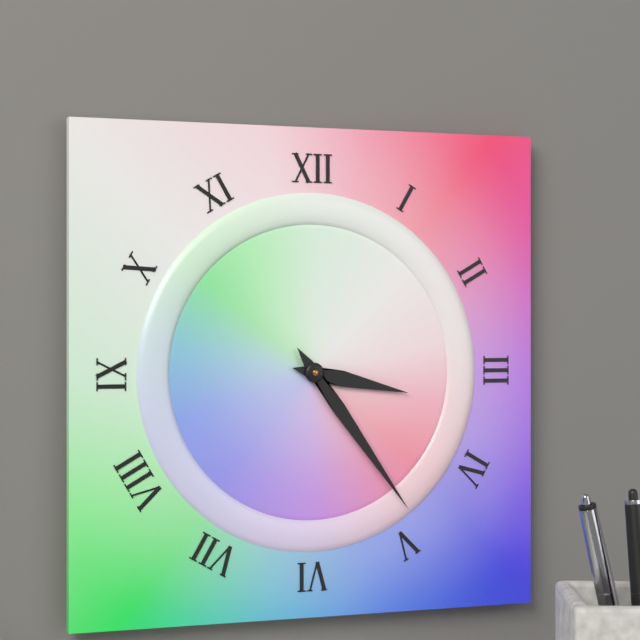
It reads {"hour": 3, "minute": 24}
